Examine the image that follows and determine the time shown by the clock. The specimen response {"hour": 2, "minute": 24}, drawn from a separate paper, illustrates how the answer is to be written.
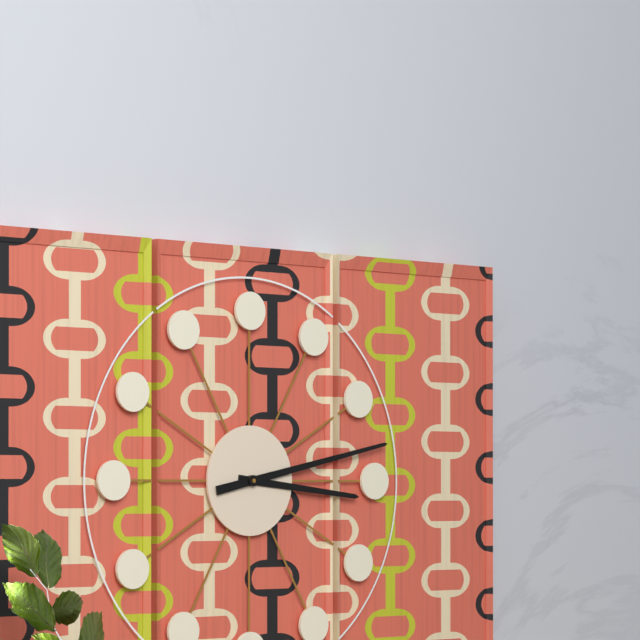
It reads {"hour": 3, "minute": 13}
